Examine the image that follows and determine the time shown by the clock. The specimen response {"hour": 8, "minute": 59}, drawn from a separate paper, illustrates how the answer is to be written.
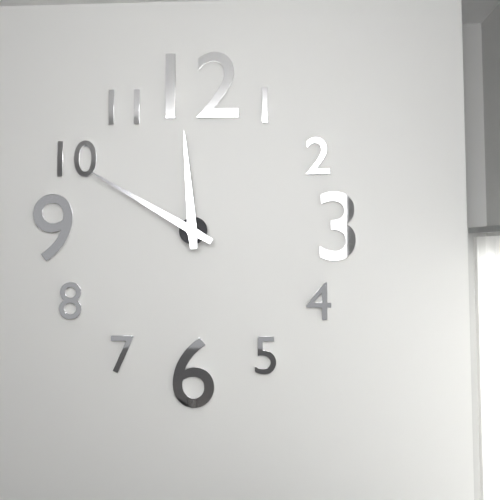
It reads {"hour": 11, "minute": 50}
